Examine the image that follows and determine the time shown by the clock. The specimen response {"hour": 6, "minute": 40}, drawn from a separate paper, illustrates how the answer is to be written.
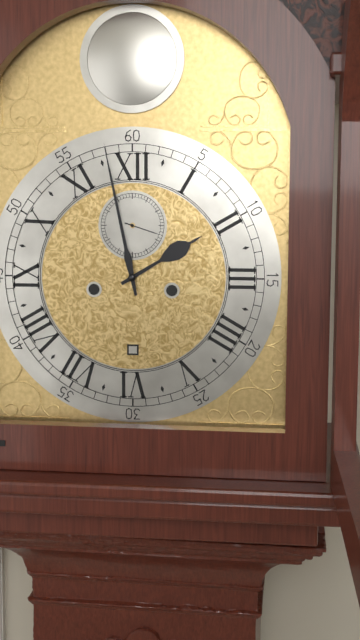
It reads {"hour": 1, "minute": 58}
